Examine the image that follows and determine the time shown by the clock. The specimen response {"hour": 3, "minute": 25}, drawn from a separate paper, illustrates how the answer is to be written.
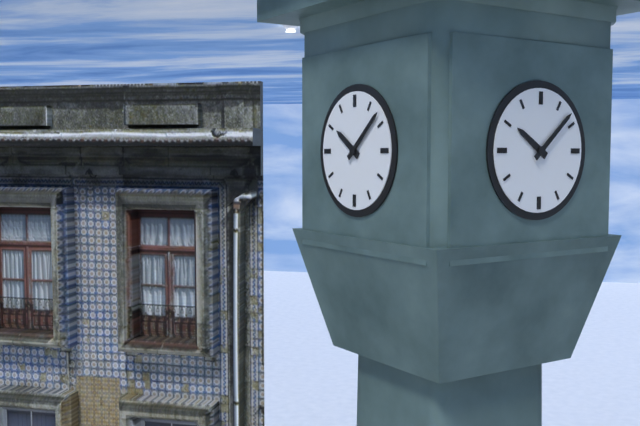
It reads {"hour": 10, "minute": 8}
